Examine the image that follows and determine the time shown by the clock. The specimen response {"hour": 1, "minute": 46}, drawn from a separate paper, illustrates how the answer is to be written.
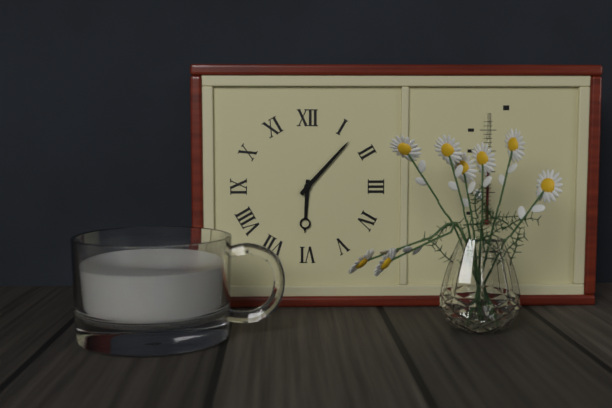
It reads {"hour": 6, "minute": 7}
